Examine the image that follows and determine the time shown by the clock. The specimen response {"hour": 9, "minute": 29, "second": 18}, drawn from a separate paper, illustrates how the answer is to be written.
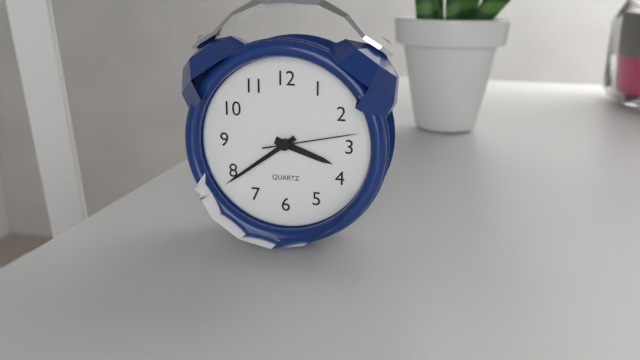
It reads {"hour": 3, "minute": 39, "second": 13}
